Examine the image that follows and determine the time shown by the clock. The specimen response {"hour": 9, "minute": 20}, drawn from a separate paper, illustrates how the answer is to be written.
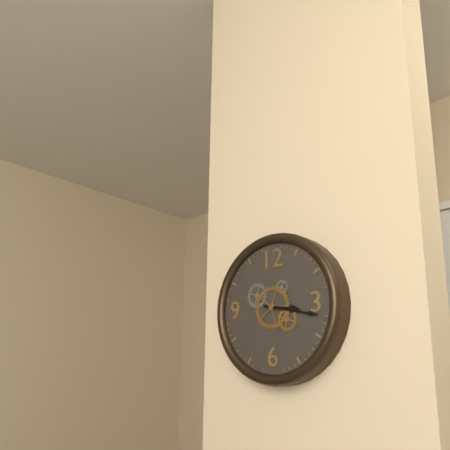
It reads {"hour": 3, "minute": 17}
